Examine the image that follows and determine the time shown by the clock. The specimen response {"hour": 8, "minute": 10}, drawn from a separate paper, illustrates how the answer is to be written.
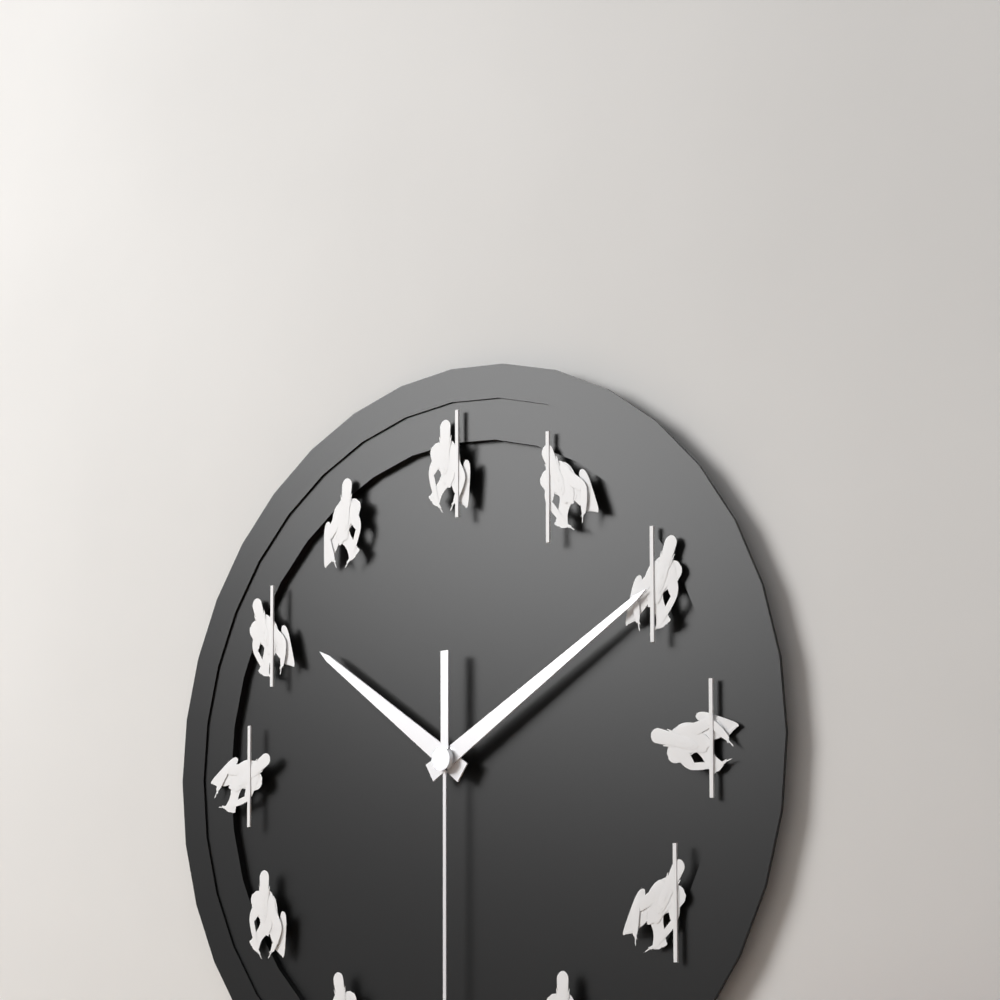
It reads {"hour": 10, "minute": 10}
